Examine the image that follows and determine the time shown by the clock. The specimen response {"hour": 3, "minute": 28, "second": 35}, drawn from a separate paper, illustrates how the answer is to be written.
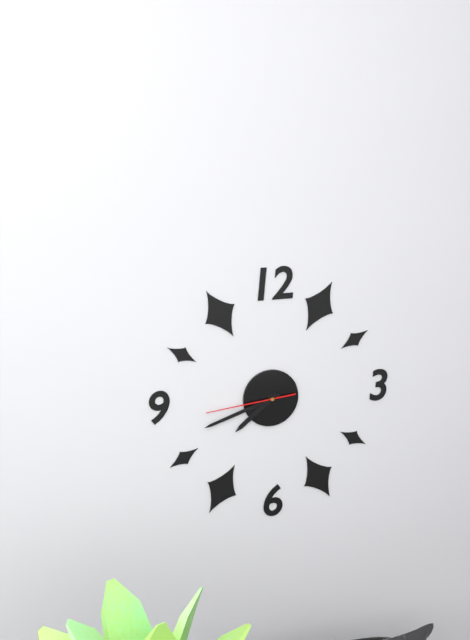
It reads {"hour": 7, "minute": 42, "second": 44}
